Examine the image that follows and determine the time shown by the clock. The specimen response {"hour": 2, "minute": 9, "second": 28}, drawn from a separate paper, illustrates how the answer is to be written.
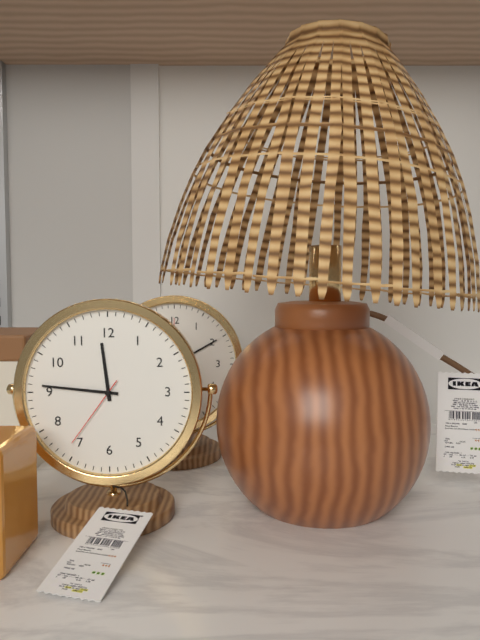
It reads {"hour": 11, "minute": 46, "second": 36}
